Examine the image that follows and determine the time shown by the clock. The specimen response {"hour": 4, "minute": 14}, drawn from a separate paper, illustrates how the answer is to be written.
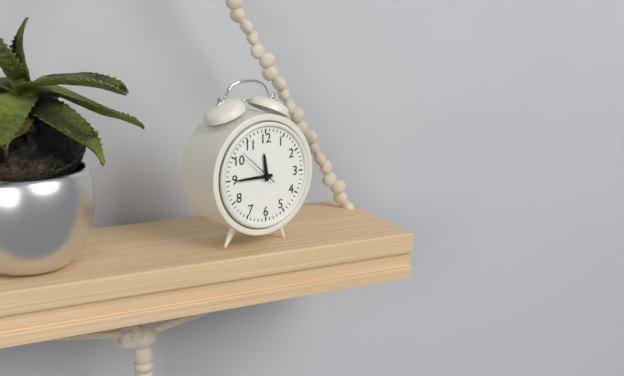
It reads {"hour": 11, "minute": 45}
